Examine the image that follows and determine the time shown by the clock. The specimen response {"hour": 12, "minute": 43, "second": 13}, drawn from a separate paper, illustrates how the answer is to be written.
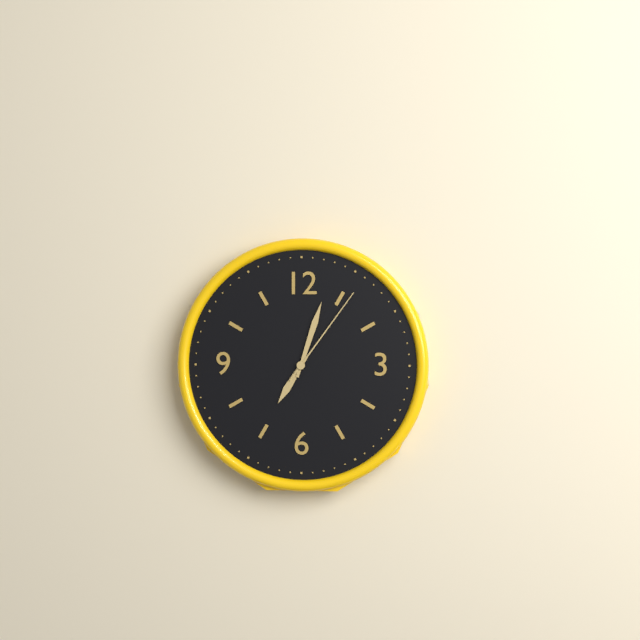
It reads {"hour": 7, "minute": 3, "second": 6}
